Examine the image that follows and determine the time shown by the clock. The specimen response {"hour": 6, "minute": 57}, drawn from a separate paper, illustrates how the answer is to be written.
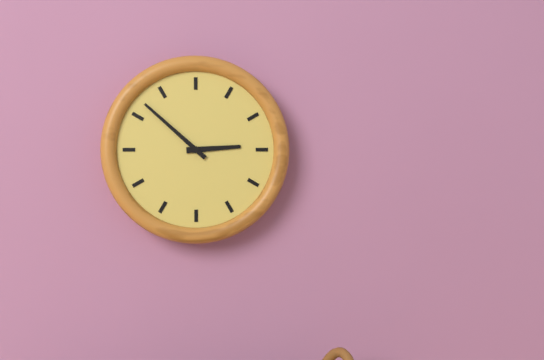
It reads {"hour": 2, "minute": 52}
